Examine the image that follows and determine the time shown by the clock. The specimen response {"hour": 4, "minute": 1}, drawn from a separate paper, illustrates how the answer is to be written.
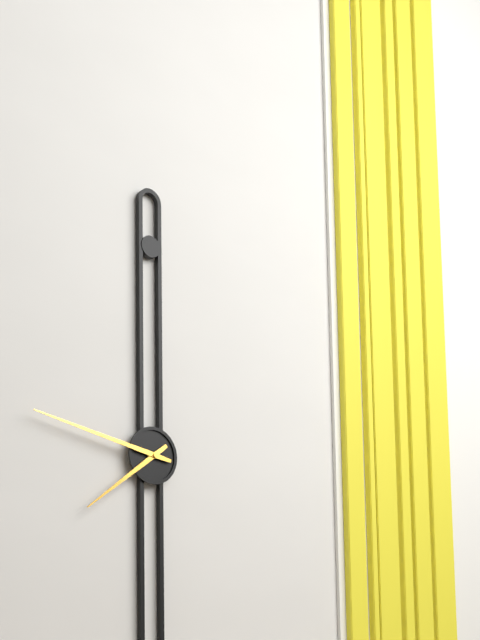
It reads {"hour": 7, "minute": 47}
